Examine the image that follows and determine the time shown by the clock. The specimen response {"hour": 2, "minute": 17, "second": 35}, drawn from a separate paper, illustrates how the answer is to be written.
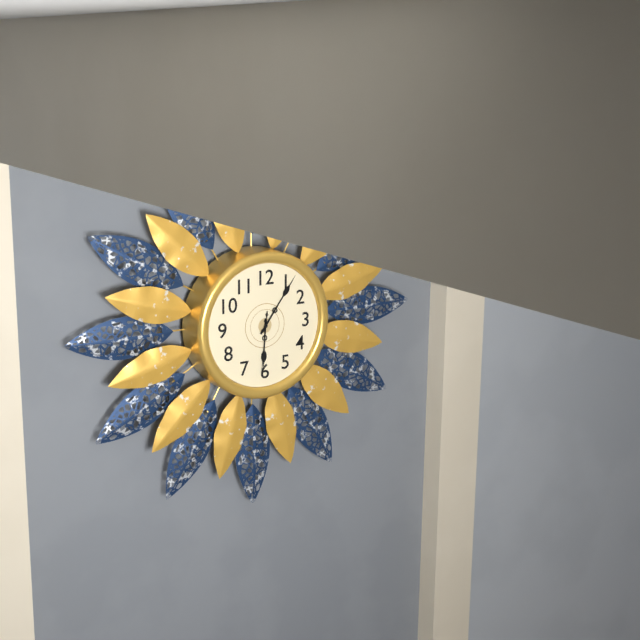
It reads {"hour": 6, "minute": 6, "second": 31}
